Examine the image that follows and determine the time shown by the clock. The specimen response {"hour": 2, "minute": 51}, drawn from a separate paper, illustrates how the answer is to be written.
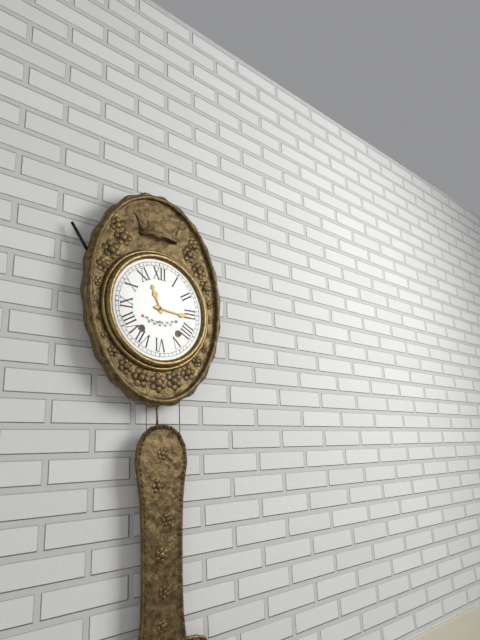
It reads {"hour": 11, "minute": 16}
